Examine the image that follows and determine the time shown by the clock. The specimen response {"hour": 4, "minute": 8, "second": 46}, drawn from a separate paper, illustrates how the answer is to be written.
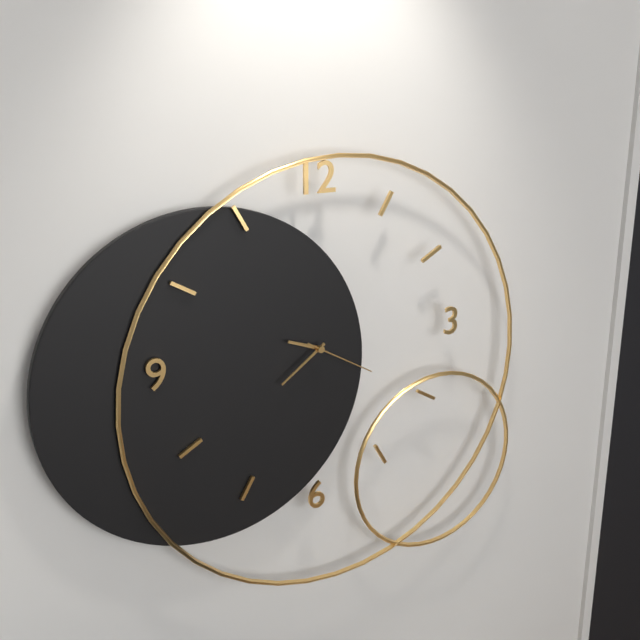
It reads {"hour": 9, "minute": 39, "second": 20}
